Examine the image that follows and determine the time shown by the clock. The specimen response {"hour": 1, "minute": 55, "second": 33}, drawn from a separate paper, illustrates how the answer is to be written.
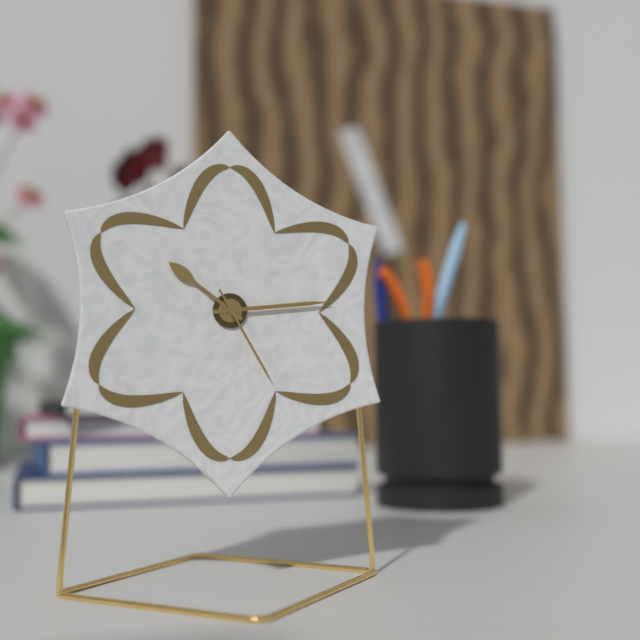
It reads {"hour": 10, "minute": 14, "second": 25}
